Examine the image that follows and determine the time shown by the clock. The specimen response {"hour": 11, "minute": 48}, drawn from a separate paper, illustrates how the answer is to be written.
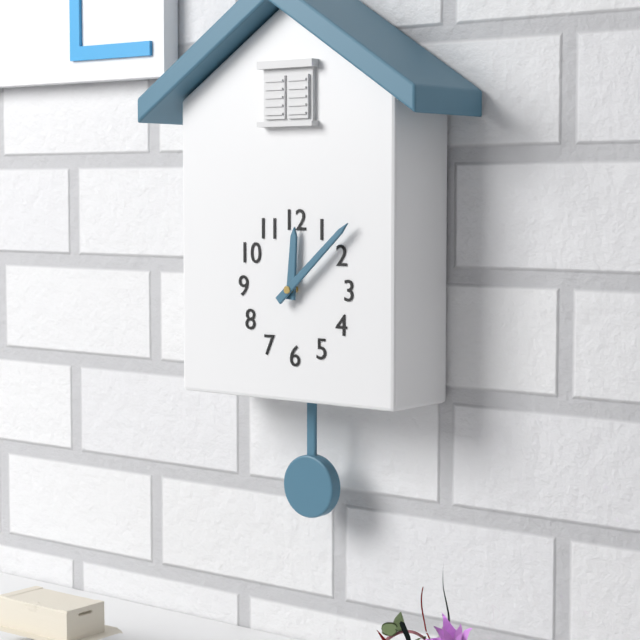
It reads {"hour": 12, "minute": 8}
